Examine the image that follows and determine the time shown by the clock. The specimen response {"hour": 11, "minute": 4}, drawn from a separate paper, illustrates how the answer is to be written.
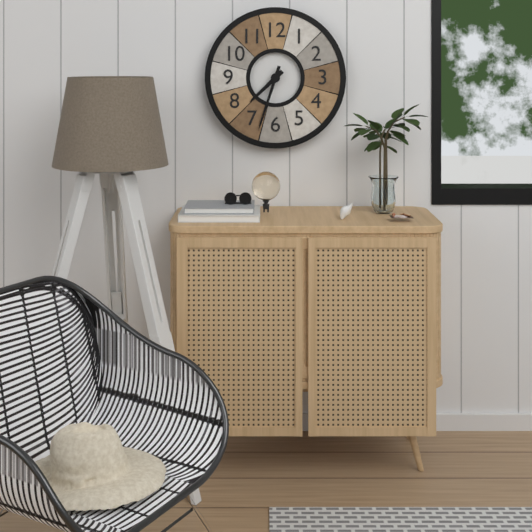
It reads {"hour": 7, "minute": 33}
